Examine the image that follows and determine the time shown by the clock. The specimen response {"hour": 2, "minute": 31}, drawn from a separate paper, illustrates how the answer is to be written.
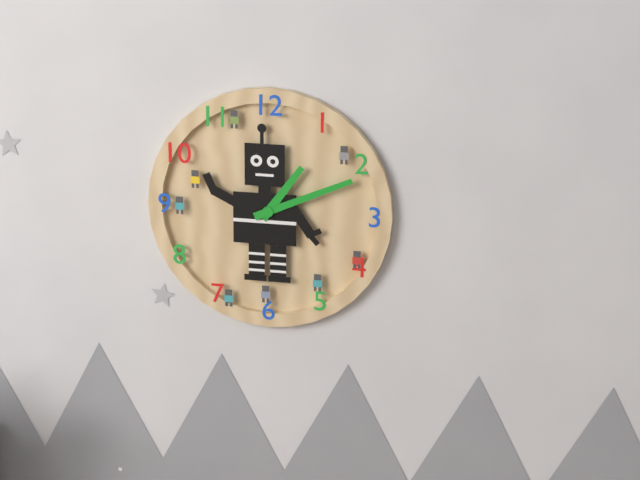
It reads {"hour": 1, "minute": 11}
